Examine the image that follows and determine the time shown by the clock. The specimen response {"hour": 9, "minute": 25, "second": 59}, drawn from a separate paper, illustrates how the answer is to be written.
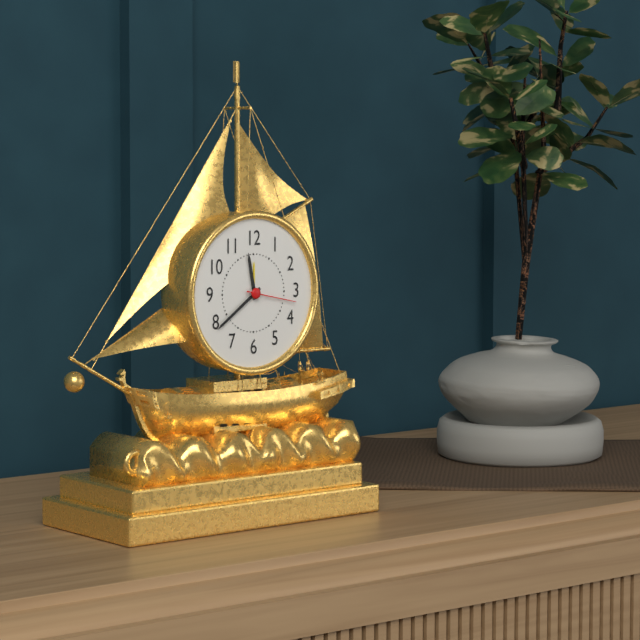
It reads {"hour": 11, "minute": 39, "second": 17}
